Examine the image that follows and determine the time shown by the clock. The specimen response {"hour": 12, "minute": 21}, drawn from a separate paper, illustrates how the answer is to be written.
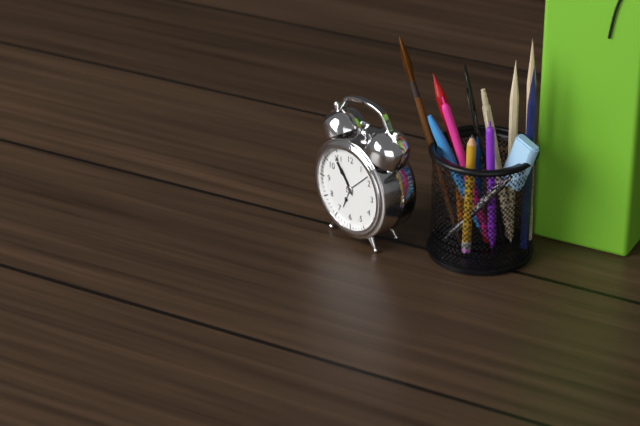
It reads {"hour": 10, "minute": 54}
